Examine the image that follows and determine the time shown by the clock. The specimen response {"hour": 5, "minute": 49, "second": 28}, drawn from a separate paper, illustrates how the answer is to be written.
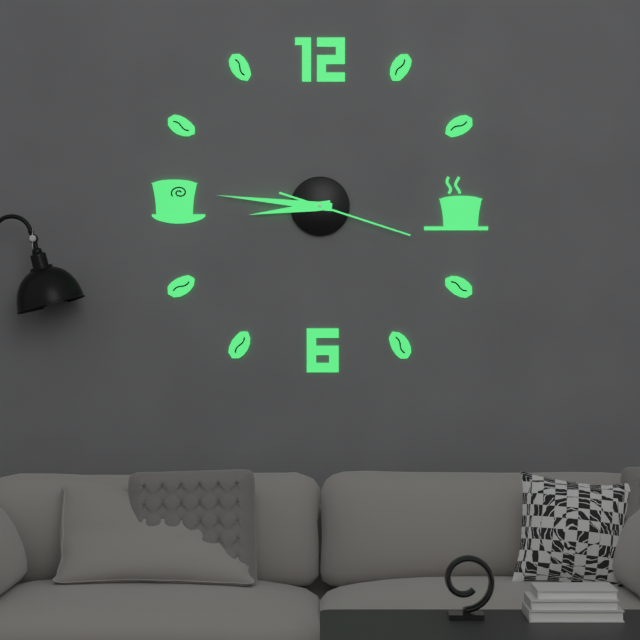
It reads {"hour": 8, "minute": 46, "second": 18}
